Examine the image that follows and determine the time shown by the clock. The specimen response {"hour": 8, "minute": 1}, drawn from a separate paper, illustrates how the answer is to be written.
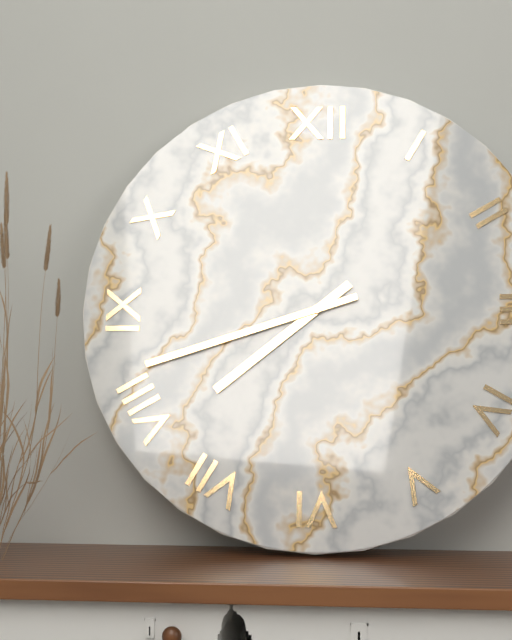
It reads {"hour": 7, "minute": 42}
